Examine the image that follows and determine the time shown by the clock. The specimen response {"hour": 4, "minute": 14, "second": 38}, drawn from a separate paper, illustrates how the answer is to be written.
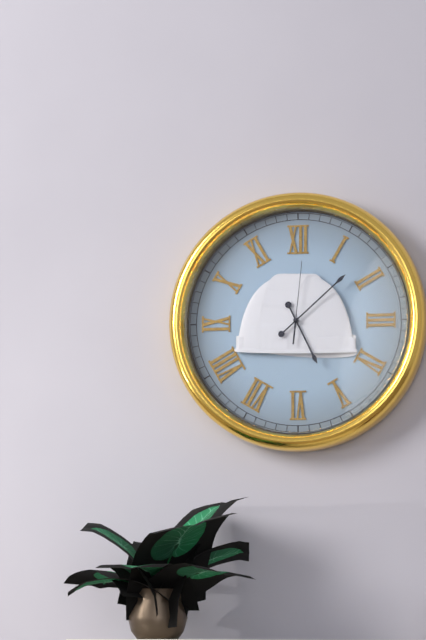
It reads {"hour": 5, "minute": 8, "second": 1}
